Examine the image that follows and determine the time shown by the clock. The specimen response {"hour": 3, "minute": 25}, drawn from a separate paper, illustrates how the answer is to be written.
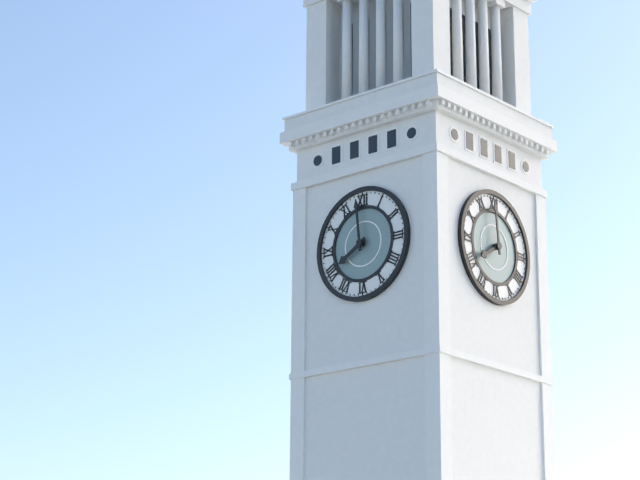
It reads {"hour": 7, "minute": 59}
